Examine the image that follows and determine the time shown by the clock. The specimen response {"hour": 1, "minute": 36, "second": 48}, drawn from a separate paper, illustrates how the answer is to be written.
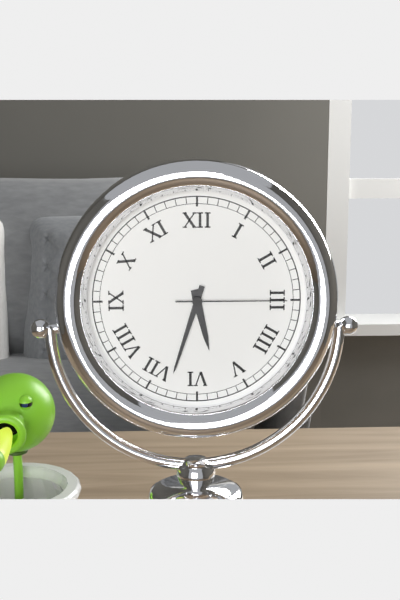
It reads {"hour": 5, "minute": 33, "second": 15}
